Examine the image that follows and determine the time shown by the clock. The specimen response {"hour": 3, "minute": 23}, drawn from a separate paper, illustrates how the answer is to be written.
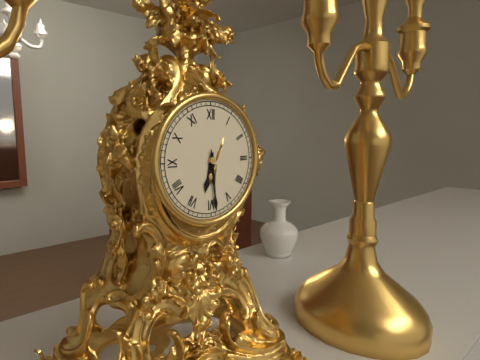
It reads {"hour": 6, "minute": 29}
